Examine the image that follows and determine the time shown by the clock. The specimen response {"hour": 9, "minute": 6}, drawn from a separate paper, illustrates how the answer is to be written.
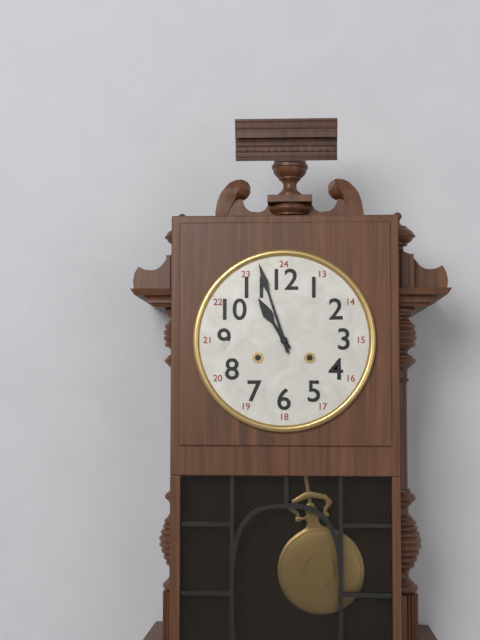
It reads {"hour": 10, "minute": 57}
